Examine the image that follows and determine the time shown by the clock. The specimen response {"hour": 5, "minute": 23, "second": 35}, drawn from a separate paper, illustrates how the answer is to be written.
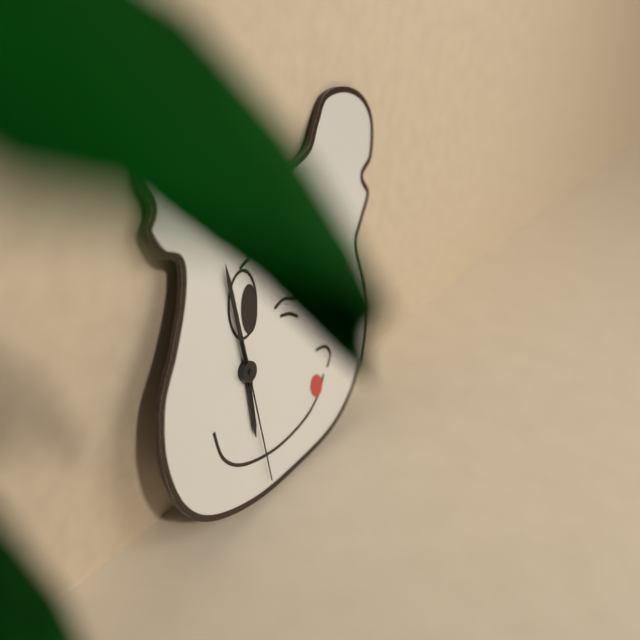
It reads {"hour": 5, "minute": 59, "second": 29}
